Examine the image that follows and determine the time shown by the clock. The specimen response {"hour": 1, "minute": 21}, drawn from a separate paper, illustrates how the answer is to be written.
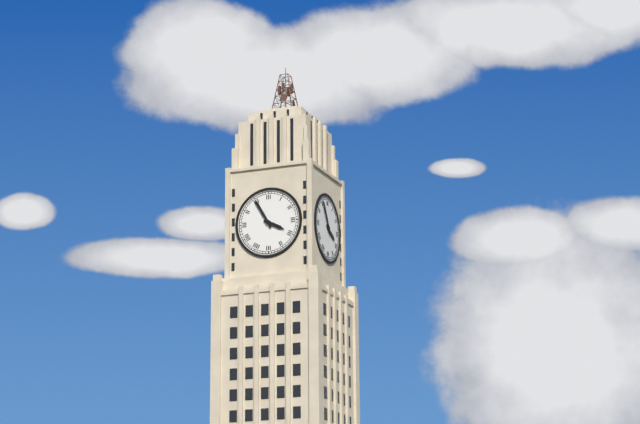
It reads {"hour": 3, "minute": 55}
